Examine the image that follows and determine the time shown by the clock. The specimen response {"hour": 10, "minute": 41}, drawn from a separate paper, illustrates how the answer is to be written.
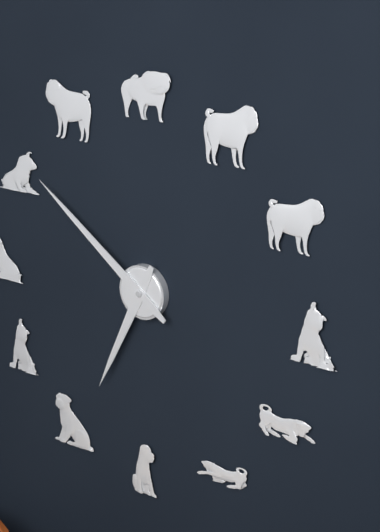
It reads {"hour": 6, "minute": 51}
